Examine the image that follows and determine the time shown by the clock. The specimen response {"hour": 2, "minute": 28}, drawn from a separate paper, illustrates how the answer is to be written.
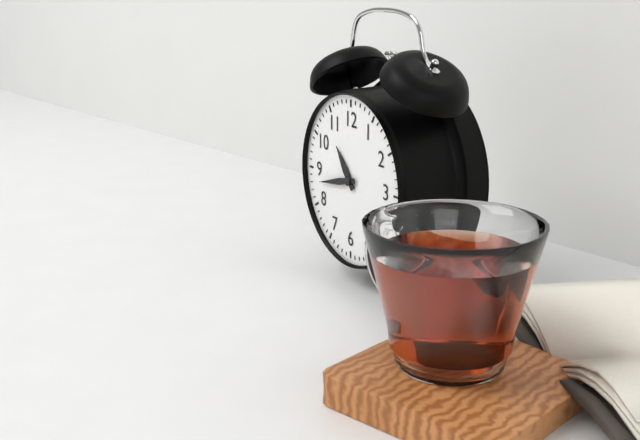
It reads {"hour": 10, "minute": 43}
